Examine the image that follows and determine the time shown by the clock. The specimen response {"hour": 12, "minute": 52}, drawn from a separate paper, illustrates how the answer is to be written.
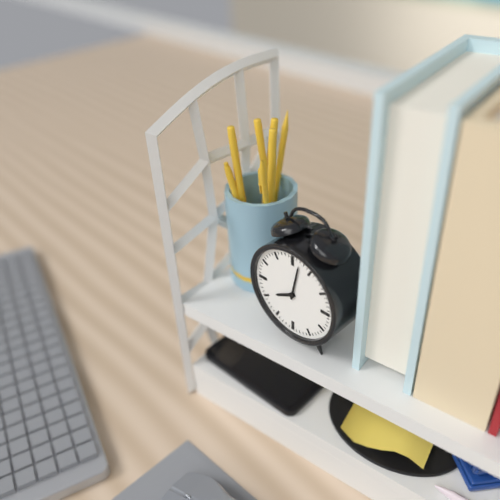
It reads {"hour": 8, "minute": 2}
